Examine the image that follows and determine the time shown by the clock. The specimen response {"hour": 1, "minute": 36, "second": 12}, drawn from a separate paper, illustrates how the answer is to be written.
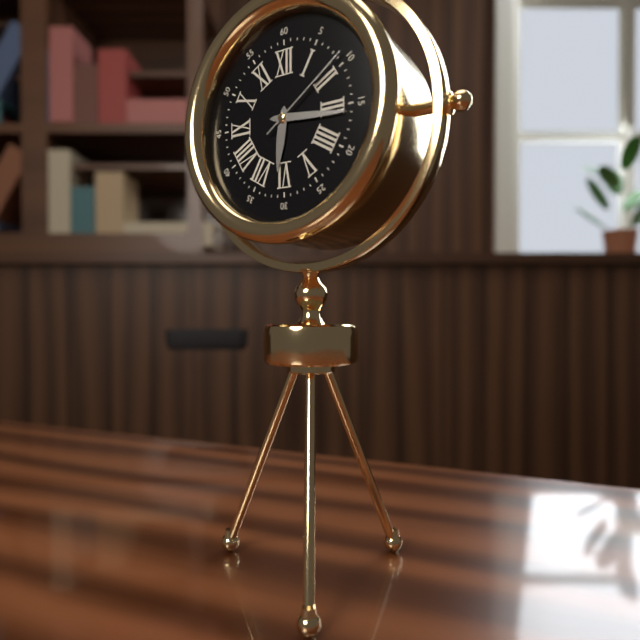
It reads {"hour": 6, "minute": 16, "second": 9}
